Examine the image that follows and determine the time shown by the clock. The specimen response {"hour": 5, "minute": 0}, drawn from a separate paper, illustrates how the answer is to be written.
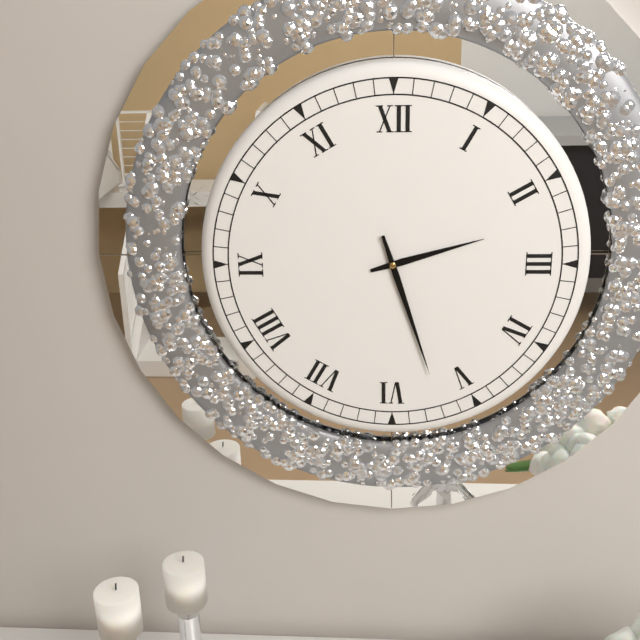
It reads {"hour": 2, "minute": 27}
